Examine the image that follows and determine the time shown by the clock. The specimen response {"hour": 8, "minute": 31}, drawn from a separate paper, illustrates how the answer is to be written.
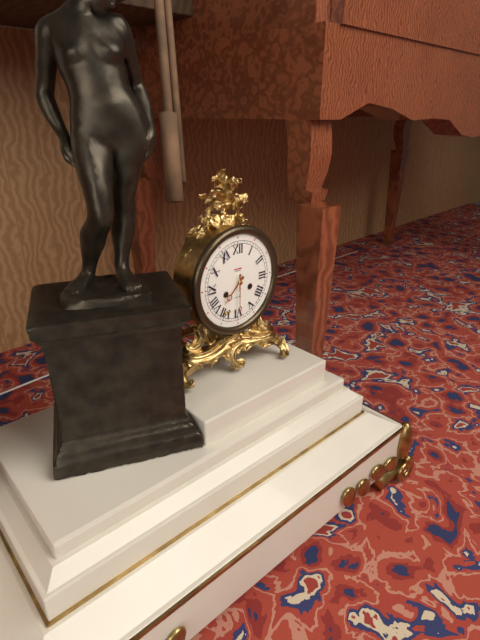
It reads {"hour": 7, "minute": 30}
